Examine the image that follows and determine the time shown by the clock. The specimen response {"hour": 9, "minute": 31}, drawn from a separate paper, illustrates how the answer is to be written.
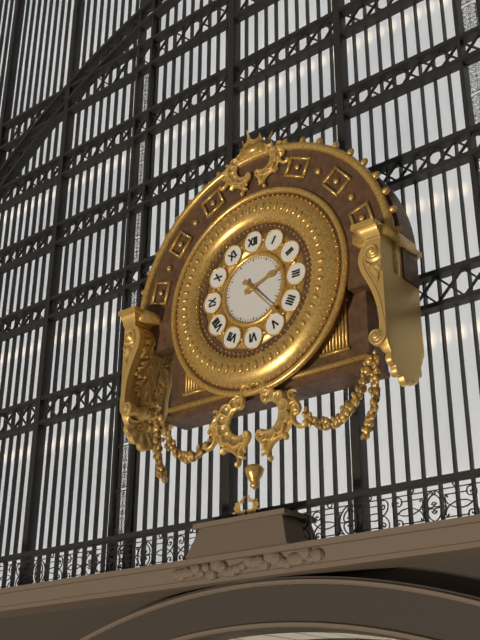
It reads {"hour": 2, "minute": 23}
